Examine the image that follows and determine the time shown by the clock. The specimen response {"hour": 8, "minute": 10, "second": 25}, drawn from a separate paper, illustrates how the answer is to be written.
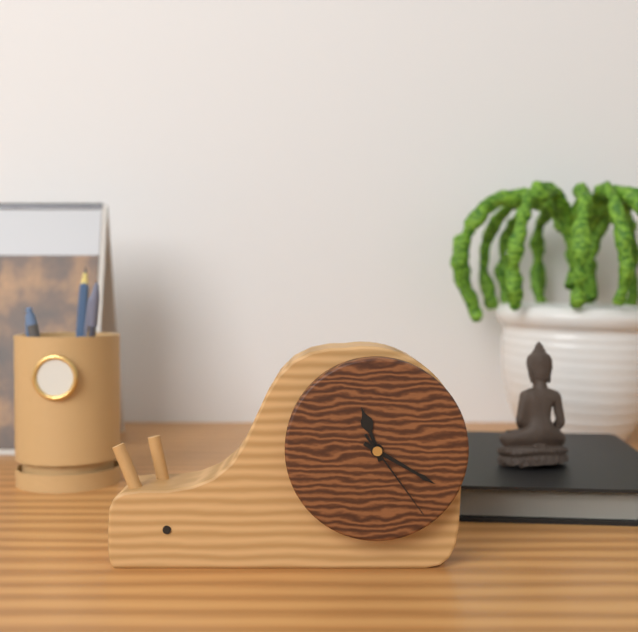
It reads {"hour": 11, "minute": 20, "second": 24}
